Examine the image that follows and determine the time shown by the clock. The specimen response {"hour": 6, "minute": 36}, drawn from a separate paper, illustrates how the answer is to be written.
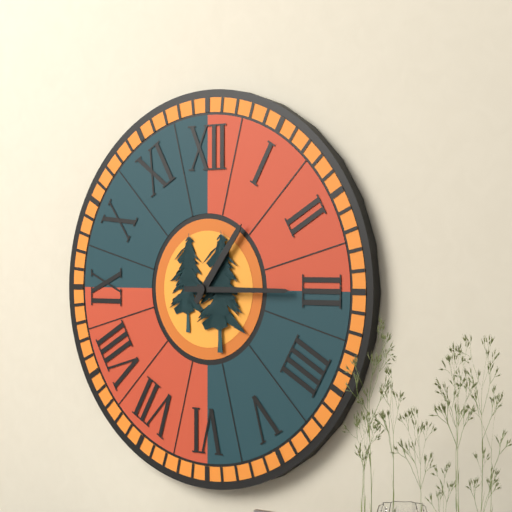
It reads {"hour": 1, "minute": 15}
